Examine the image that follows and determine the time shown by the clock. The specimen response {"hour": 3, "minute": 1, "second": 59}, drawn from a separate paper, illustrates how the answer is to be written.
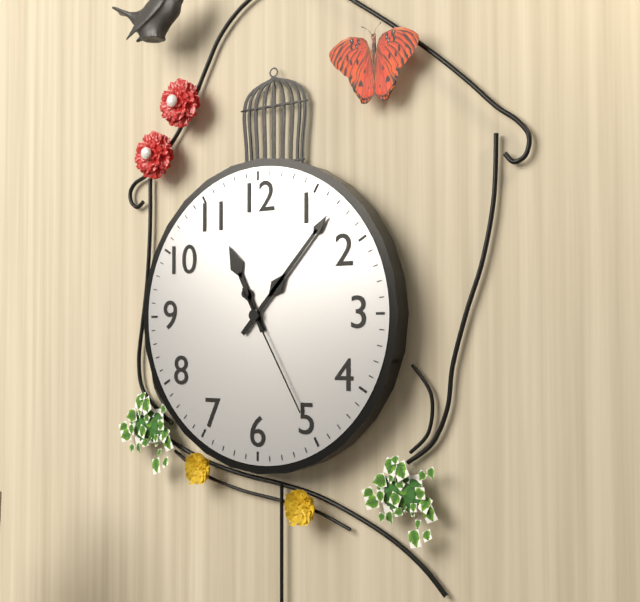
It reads {"hour": 11, "minute": 7, "second": 25}
